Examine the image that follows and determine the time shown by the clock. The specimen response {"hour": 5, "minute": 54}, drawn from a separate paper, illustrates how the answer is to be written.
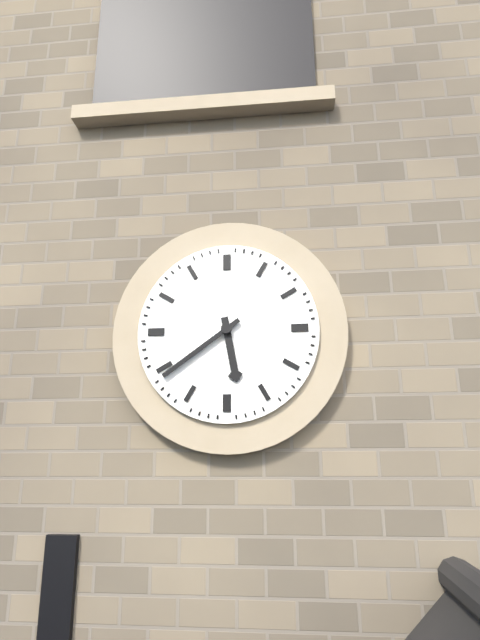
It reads {"hour": 5, "minute": 39}
